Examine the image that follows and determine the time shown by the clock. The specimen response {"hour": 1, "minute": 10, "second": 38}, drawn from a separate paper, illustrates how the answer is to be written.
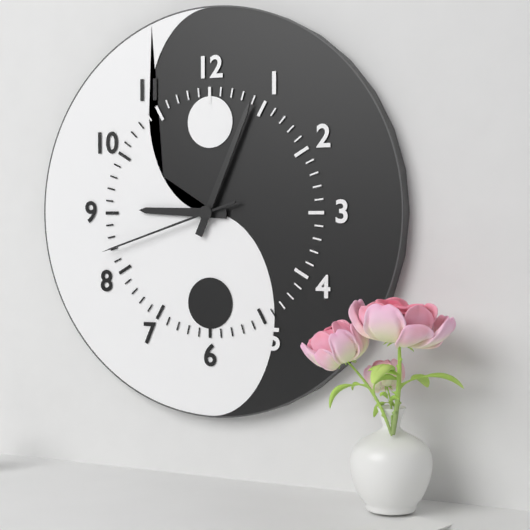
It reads {"hour": 9, "minute": 4, "second": 42}
